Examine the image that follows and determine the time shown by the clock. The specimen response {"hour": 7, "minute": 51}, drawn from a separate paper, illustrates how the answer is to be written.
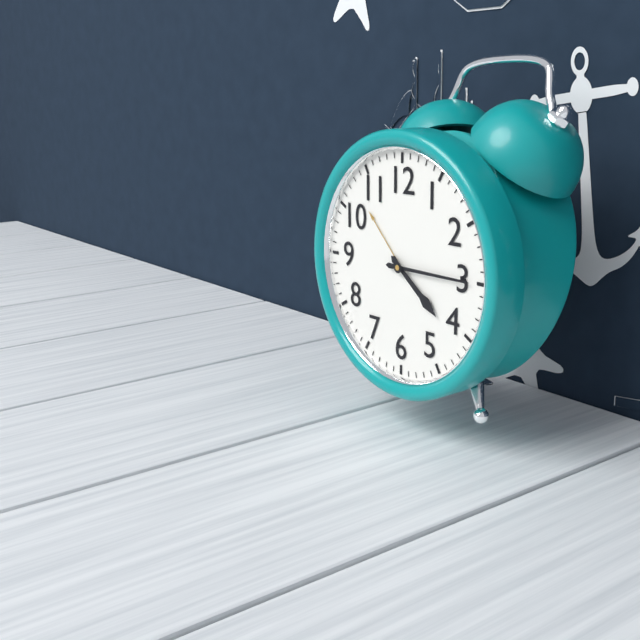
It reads {"hour": 4, "minute": 15}
